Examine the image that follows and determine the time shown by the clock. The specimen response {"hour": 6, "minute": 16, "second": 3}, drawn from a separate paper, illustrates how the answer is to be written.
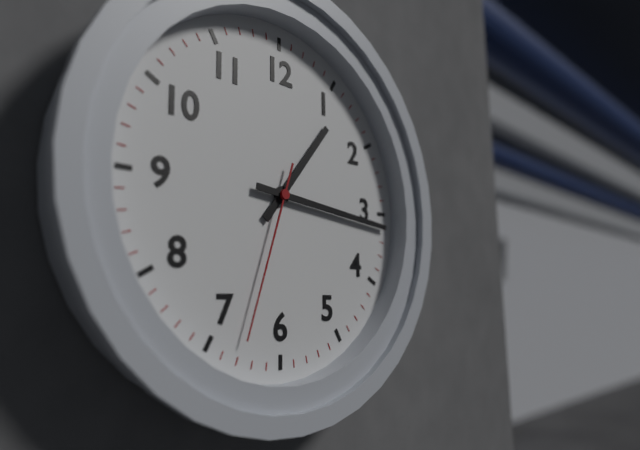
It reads {"hour": 1, "minute": 16, "second": 33}
